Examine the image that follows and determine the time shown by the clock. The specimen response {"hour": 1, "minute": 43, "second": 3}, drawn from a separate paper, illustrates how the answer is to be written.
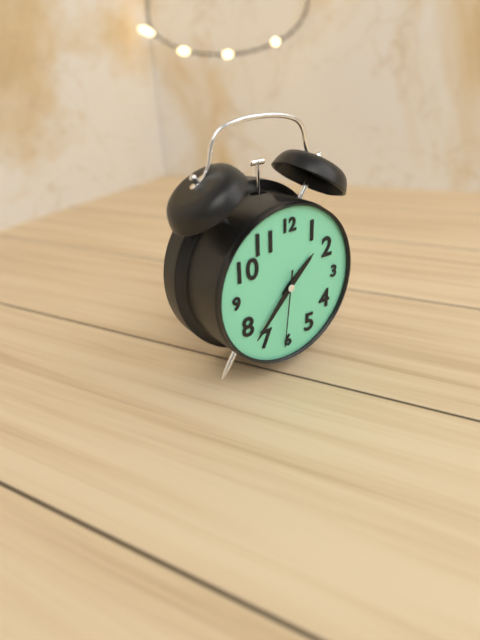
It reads {"hour": 1, "minute": 37, "second": 31}
